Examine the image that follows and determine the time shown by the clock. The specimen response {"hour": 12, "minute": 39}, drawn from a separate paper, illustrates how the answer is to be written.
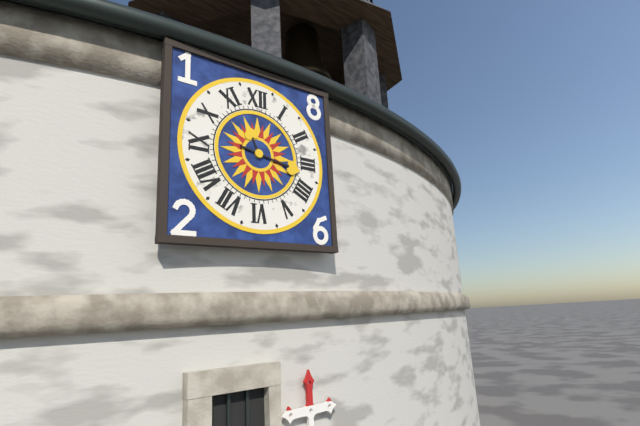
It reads {"hour": 11, "minute": 17}
